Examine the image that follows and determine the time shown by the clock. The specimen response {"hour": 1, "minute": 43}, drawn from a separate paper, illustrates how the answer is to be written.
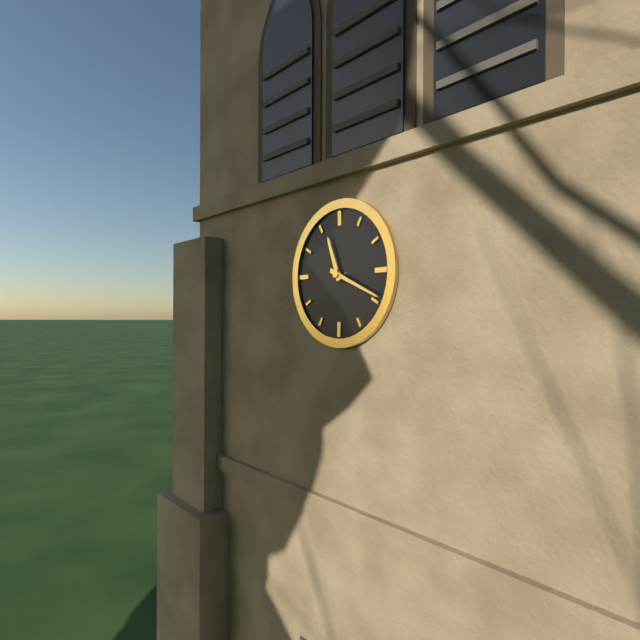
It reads {"hour": 11, "minute": 19}
